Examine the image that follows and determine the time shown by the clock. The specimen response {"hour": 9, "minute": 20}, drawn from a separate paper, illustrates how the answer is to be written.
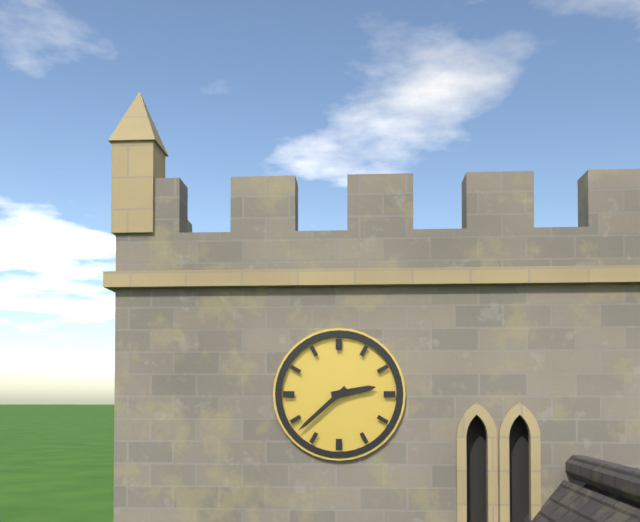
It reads {"hour": 2, "minute": 38}
